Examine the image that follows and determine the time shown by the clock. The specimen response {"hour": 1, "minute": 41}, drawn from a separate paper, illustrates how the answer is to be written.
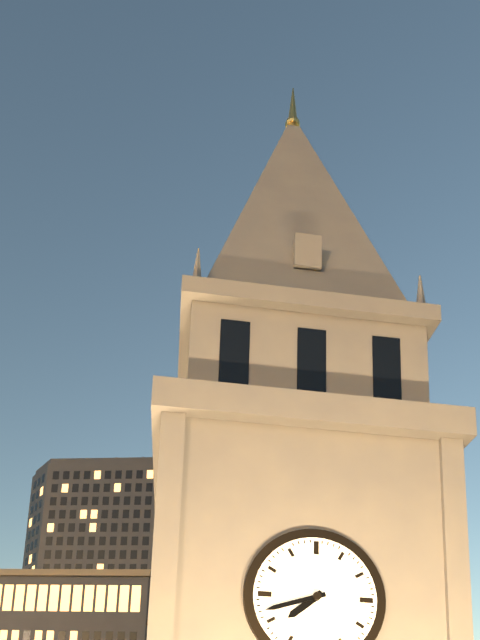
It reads {"hour": 7, "minute": 42}
